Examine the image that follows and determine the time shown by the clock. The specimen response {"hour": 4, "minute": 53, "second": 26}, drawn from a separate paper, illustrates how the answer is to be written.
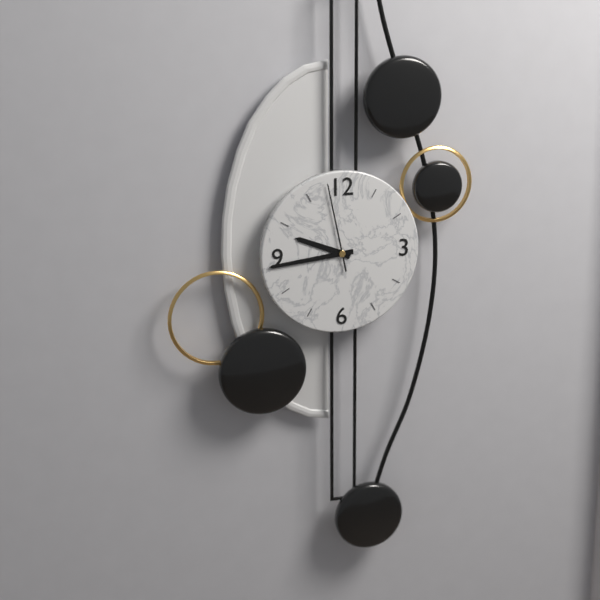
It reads {"hour": 9, "minute": 44, "second": 58}
